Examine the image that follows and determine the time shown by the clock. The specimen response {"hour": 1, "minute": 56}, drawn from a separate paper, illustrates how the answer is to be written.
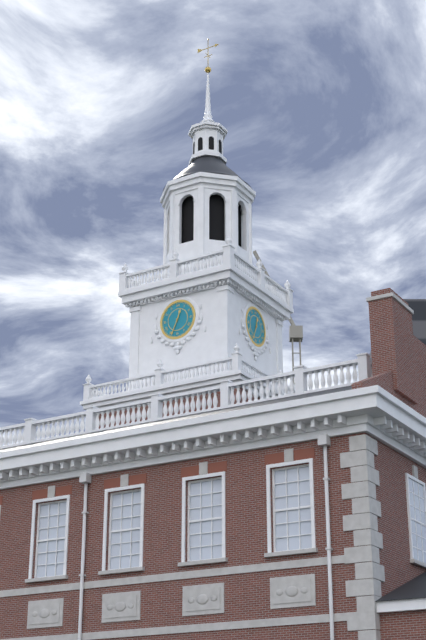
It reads {"hour": 12, "minute": 34}
